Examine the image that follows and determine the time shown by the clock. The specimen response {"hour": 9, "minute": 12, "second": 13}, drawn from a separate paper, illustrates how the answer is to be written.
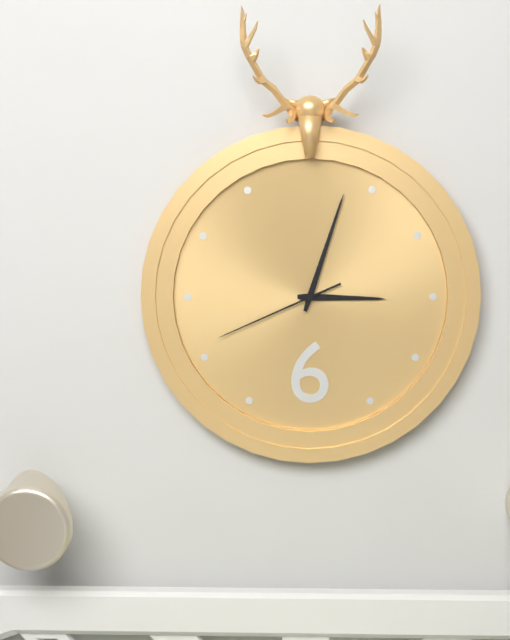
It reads {"hour": 3, "minute": 3, "second": 41}
